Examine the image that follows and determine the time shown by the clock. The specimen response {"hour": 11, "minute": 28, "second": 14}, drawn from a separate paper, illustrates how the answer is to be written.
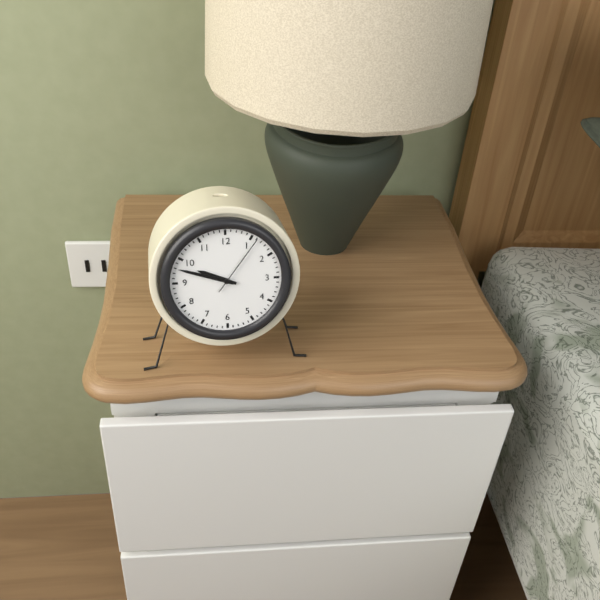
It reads {"hour": 9, "minute": 48, "second": 6}
